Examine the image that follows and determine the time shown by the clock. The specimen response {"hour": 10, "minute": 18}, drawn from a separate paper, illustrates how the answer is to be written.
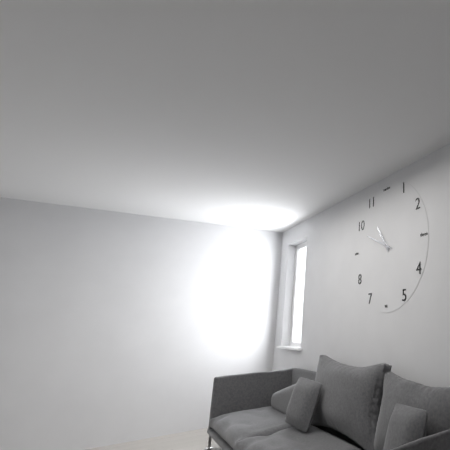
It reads {"hour": 10, "minute": 49}
